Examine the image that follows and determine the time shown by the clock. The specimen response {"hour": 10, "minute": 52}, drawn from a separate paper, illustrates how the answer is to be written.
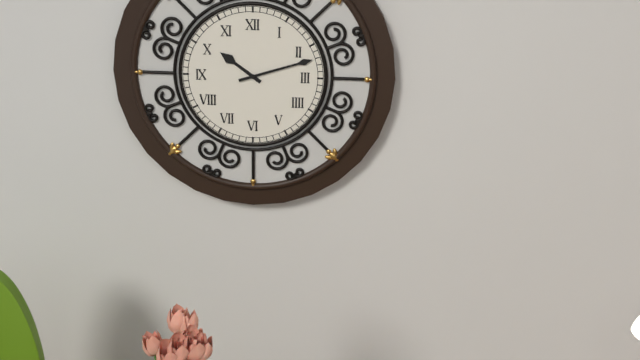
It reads {"hour": 10, "minute": 12}
